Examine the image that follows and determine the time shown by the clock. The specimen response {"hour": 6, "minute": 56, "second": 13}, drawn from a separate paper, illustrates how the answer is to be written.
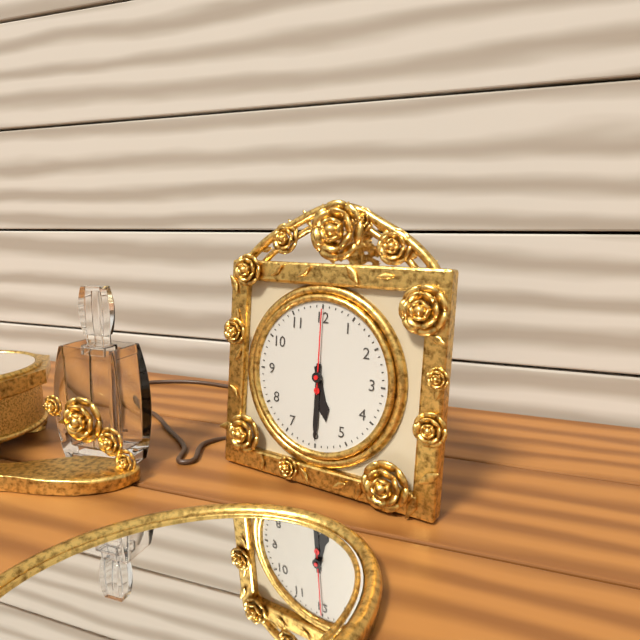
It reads {"hour": 5, "minute": 30, "second": 0}
